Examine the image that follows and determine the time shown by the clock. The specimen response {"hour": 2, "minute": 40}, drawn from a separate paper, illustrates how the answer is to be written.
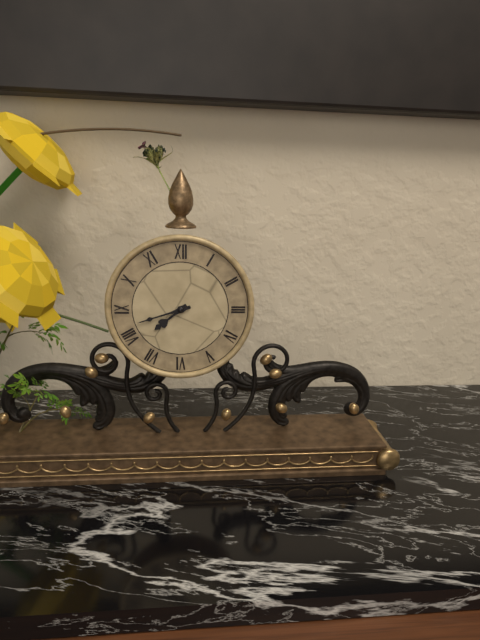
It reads {"hour": 7, "minute": 42}
